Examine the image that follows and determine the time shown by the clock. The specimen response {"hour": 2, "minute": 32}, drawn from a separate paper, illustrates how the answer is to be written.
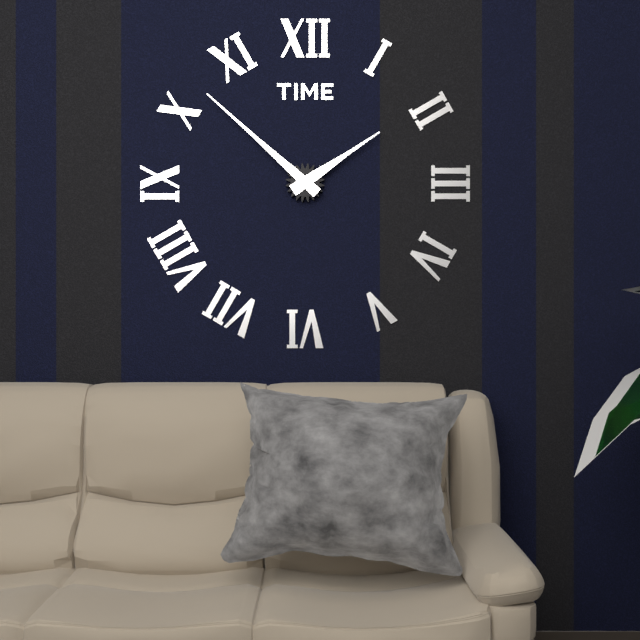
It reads {"hour": 1, "minute": 52}
